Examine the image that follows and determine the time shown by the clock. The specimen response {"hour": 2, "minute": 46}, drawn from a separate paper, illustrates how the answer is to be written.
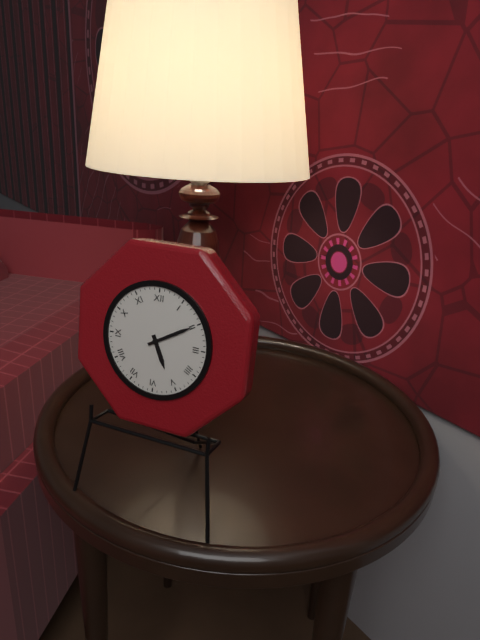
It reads {"hour": 5, "minute": 10}
